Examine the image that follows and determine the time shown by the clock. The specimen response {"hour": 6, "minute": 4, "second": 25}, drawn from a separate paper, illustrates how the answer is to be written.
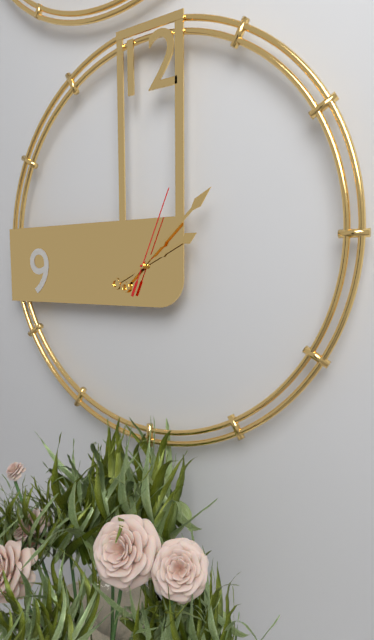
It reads {"hour": 2, "minute": 8, "second": 4}
